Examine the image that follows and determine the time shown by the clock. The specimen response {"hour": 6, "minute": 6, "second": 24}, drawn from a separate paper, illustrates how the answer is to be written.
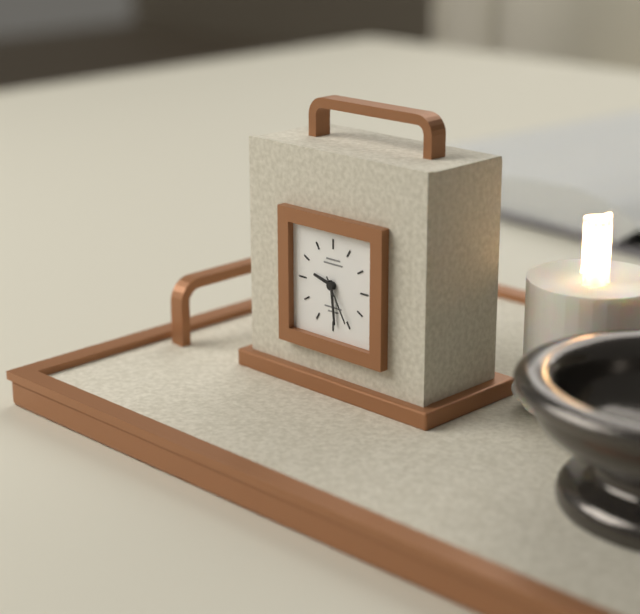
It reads {"hour": 9, "minute": 29, "second": 25}
